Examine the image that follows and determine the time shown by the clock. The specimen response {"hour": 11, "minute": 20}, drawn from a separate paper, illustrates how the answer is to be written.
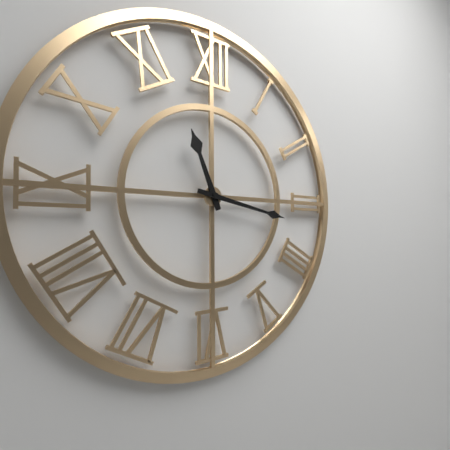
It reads {"hour": 11, "minute": 17}
